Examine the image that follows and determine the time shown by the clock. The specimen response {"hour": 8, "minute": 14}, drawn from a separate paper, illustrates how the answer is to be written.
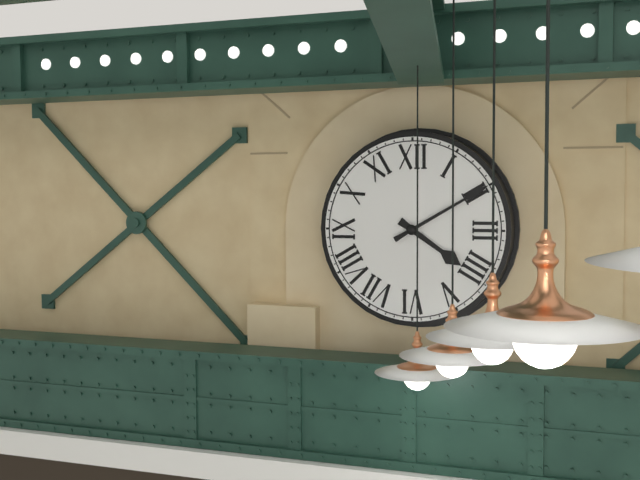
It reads {"hour": 4, "minute": 10}
